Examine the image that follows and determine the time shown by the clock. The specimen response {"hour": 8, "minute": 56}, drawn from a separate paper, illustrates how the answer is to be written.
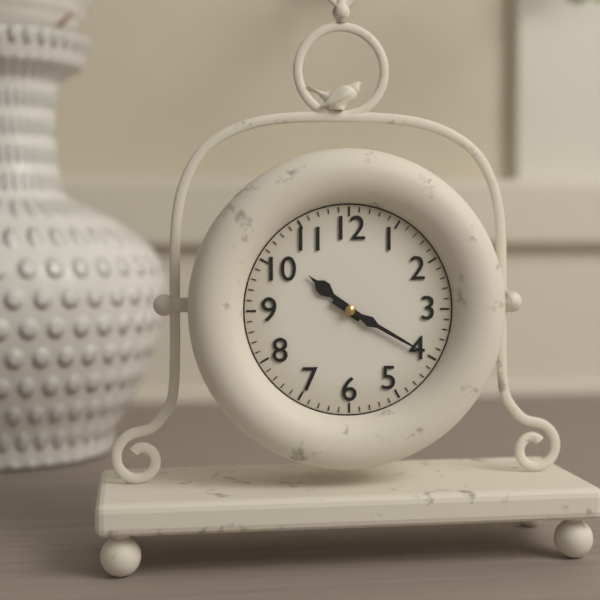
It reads {"hour": 10, "minute": 20}
